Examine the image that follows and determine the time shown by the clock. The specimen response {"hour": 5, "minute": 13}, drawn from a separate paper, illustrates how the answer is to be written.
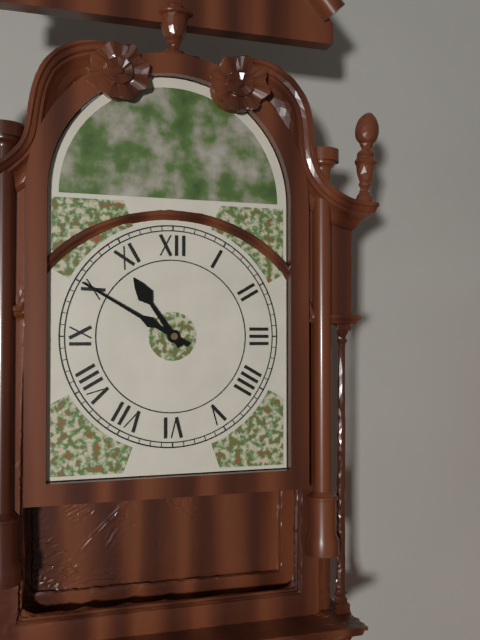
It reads {"hour": 10, "minute": 50}
